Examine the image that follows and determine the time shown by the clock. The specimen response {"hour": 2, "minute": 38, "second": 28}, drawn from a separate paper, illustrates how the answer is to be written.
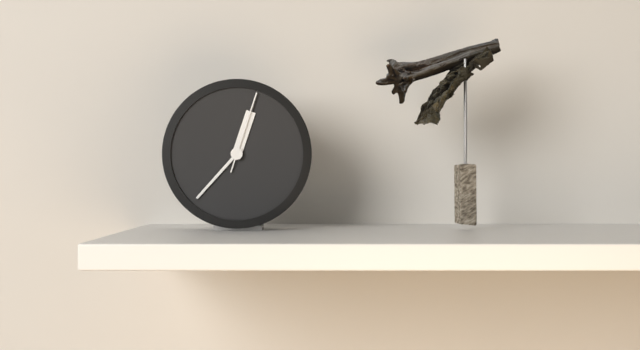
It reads {"hour": 12, "minute": 37, "second": 3}
